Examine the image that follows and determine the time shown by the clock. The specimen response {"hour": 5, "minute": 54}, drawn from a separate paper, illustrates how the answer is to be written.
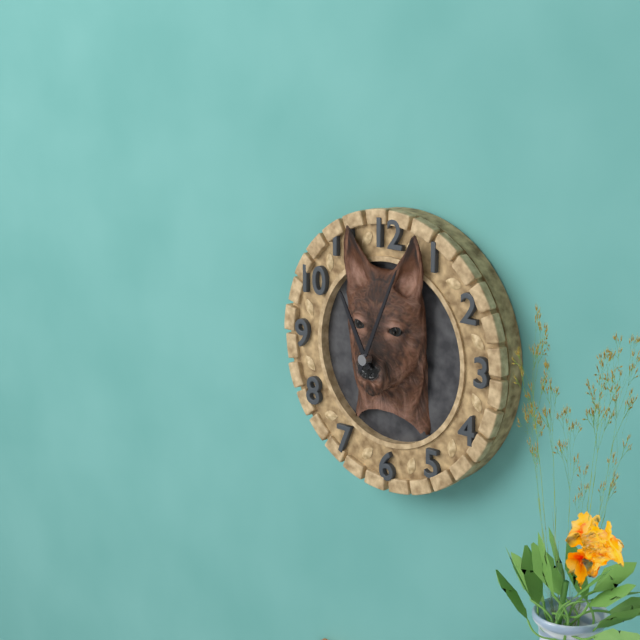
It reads {"hour": 11, "minute": 4}
